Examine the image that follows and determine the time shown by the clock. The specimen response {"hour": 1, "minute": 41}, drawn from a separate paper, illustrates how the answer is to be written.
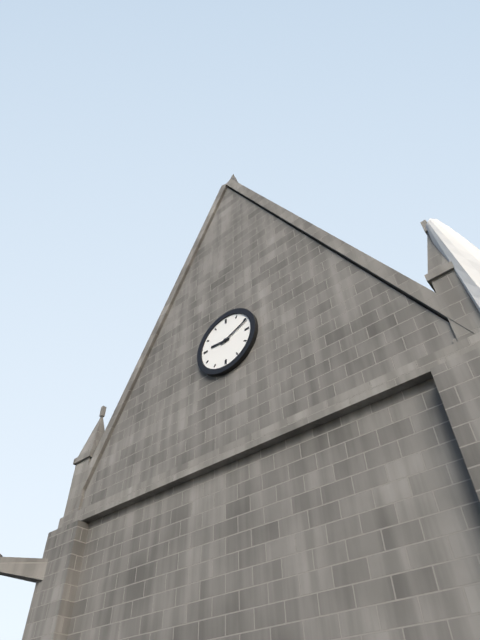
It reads {"hour": 9, "minute": 11}
